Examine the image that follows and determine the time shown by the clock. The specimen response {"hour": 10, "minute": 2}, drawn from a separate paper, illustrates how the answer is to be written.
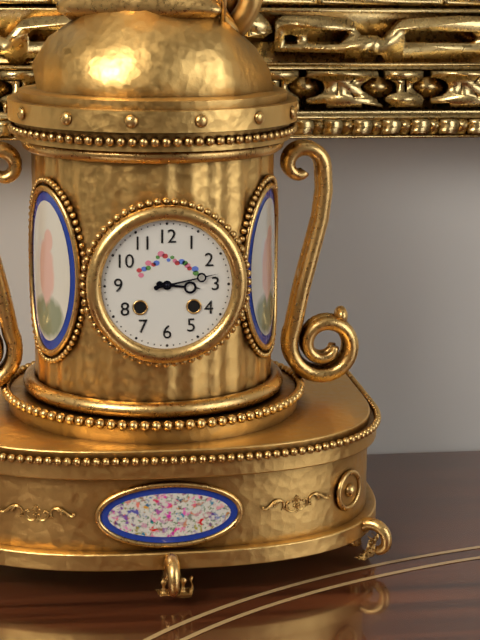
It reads {"hour": 3, "minute": 13}
